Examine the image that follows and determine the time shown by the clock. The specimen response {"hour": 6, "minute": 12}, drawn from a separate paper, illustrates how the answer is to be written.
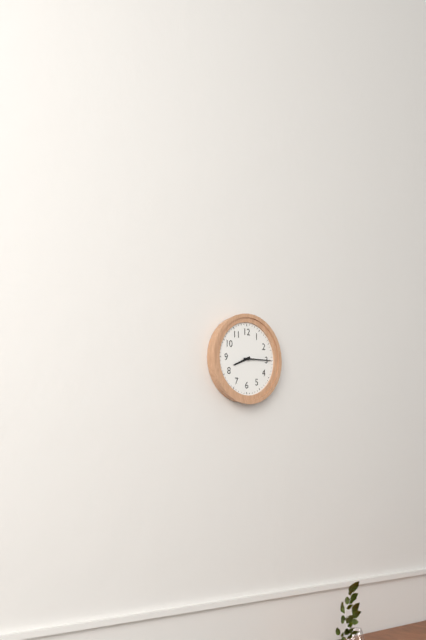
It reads {"hour": 8, "minute": 15}
